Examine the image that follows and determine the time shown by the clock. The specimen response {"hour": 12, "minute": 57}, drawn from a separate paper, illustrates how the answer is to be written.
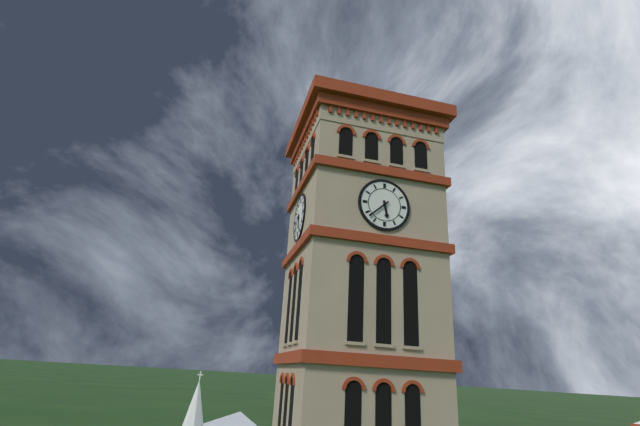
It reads {"hour": 5, "minute": 38}
